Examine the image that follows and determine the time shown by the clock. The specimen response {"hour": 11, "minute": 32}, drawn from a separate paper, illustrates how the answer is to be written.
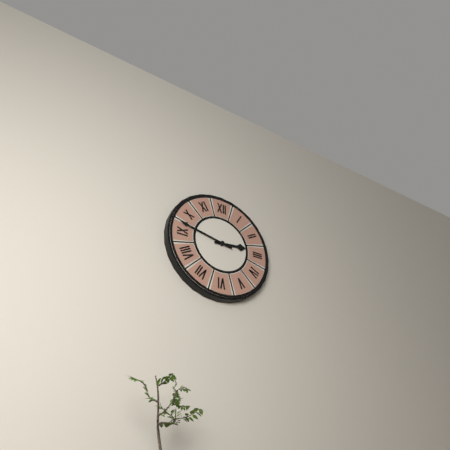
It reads {"hour": 2, "minute": 47}
